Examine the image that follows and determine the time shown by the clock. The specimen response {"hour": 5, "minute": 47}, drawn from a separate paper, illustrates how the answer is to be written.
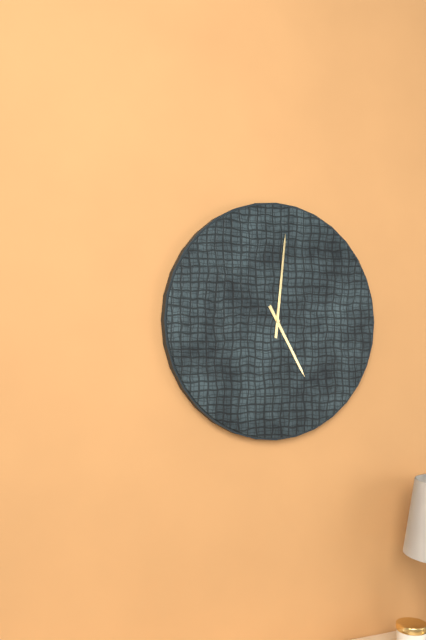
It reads {"hour": 5, "minute": 1}
